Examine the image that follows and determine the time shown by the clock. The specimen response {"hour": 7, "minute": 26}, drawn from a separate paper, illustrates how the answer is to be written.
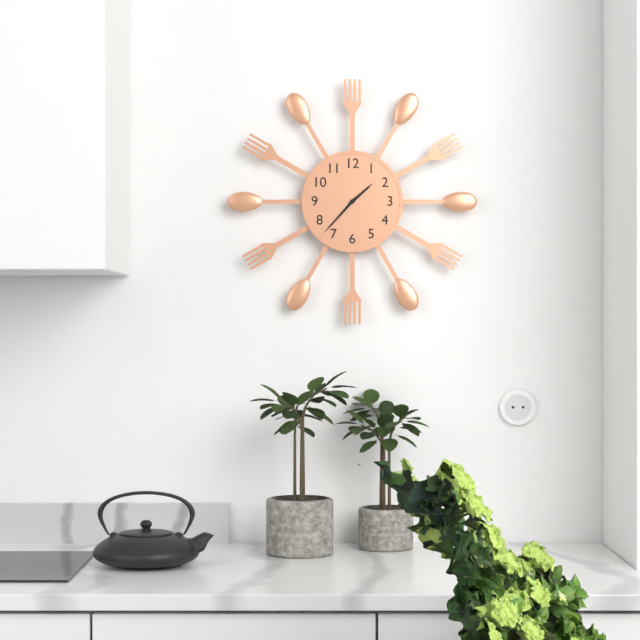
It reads {"hour": 1, "minute": 37}
